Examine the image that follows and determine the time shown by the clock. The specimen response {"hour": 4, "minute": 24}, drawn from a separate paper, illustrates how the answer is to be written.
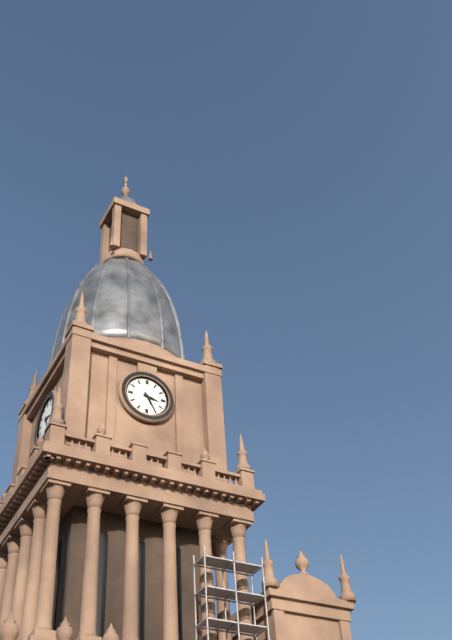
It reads {"hour": 3, "minute": 25}
